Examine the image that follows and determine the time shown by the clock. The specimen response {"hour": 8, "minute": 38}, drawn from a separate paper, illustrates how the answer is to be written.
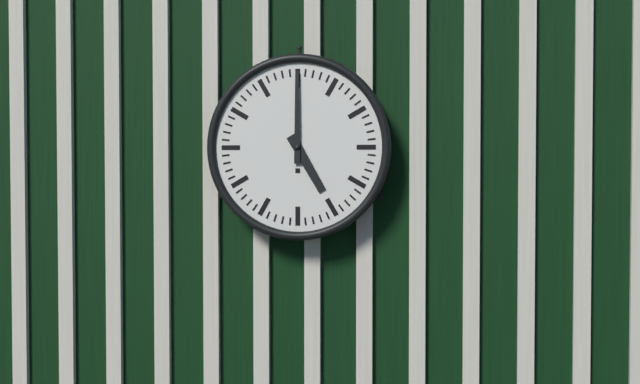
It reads {"hour": 5, "minute": 0}
